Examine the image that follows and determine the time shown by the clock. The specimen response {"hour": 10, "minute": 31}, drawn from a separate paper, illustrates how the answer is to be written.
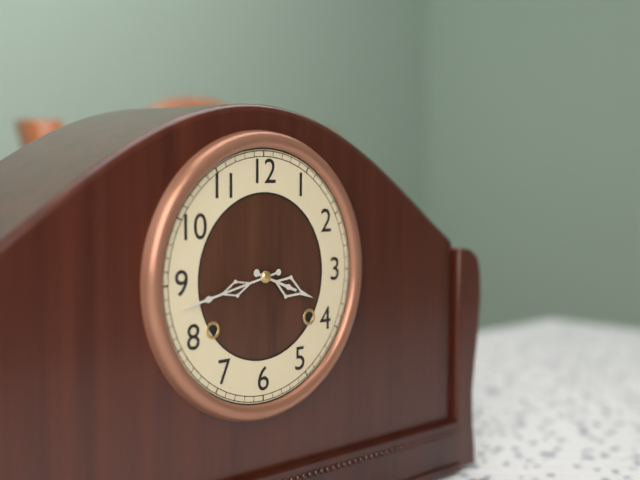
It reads {"hour": 3, "minute": 43}
